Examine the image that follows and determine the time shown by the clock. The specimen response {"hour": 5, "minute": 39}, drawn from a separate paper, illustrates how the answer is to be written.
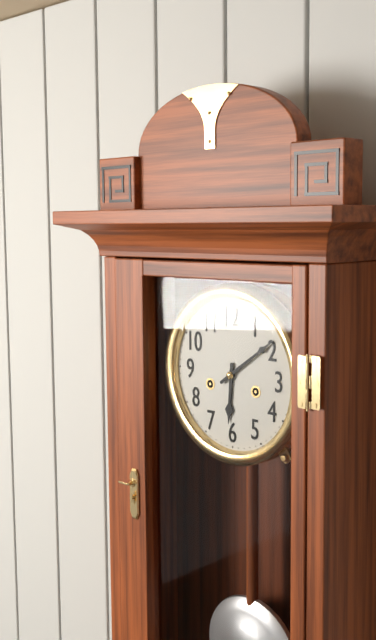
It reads {"hour": 6, "minute": 9}
